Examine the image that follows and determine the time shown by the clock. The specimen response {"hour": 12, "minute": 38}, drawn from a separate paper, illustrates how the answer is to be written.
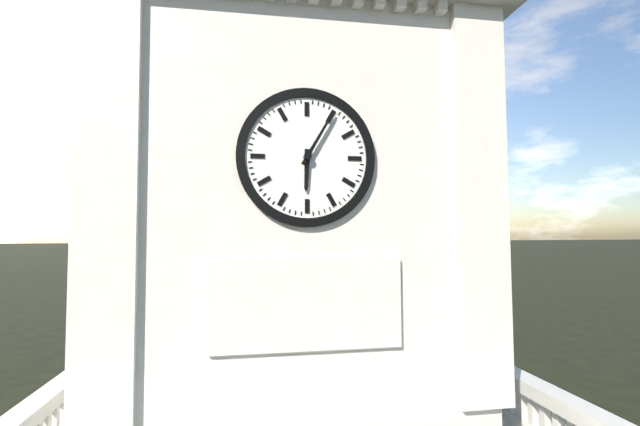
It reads {"hour": 6, "minute": 5}
